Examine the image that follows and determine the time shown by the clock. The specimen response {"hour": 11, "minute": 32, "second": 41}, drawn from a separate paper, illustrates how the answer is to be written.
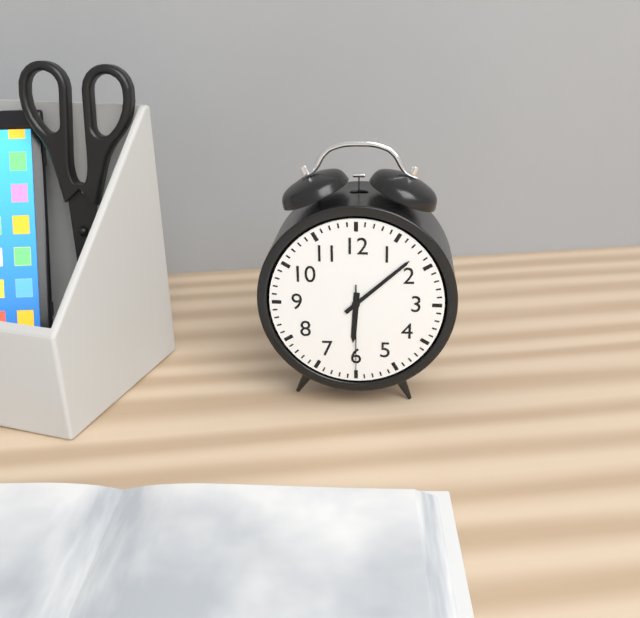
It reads {"hour": 6, "minute": 8, "second": 30}
